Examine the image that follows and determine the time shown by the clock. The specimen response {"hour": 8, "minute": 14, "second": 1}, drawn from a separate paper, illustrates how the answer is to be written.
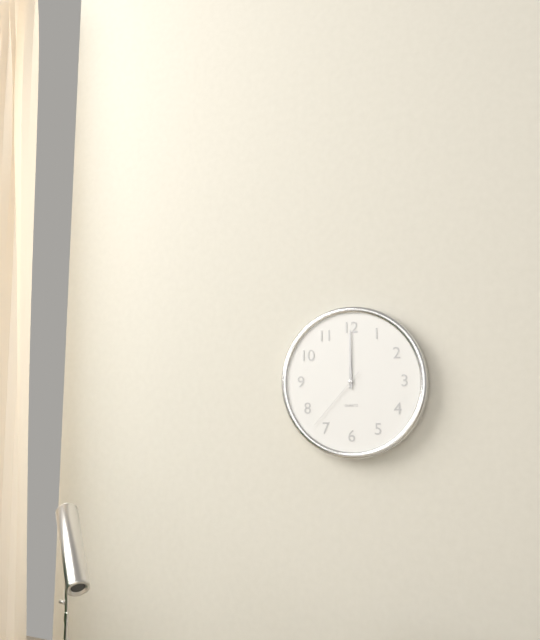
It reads {"hour": 12, "minute": 0, "second": 37}
